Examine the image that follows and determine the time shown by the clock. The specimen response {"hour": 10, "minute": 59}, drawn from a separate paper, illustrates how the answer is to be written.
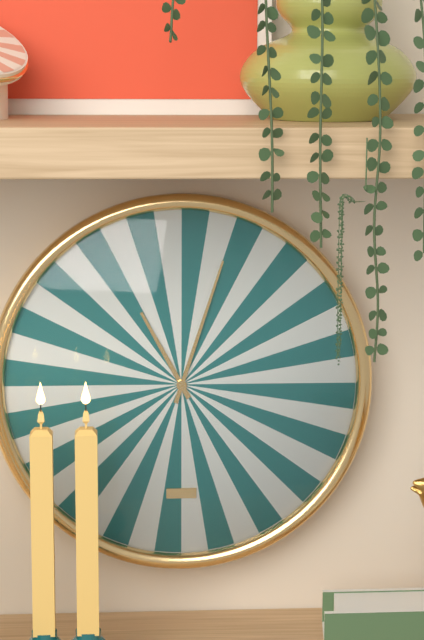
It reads {"hour": 11, "minute": 3}
